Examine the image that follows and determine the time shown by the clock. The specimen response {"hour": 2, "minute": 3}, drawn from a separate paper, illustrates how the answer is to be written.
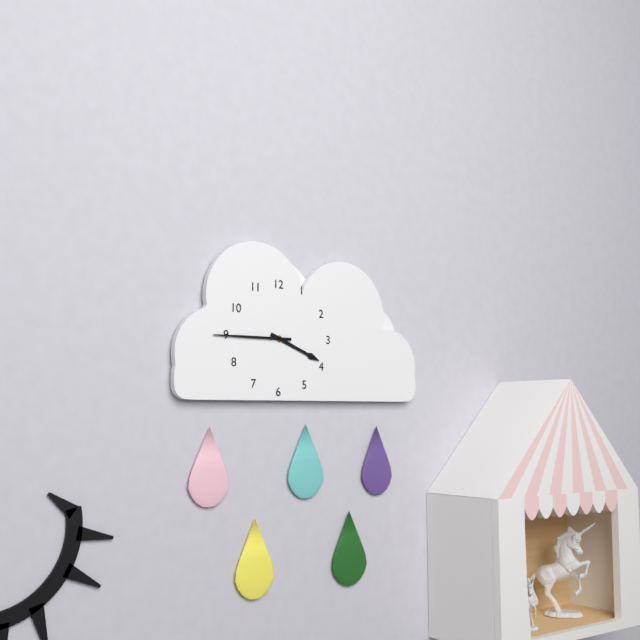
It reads {"hour": 3, "minute": 45}
